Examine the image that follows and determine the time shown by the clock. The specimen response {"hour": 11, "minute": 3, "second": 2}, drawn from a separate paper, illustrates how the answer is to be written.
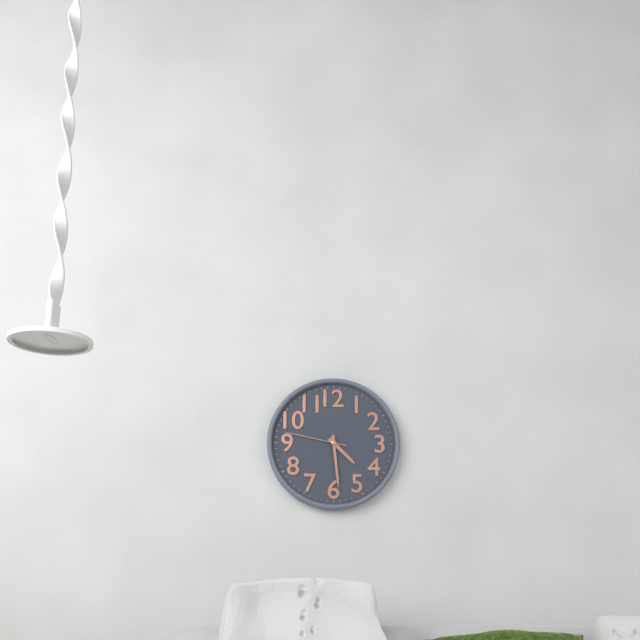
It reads {"hour": 4, "minute": 29, "second": 47}
